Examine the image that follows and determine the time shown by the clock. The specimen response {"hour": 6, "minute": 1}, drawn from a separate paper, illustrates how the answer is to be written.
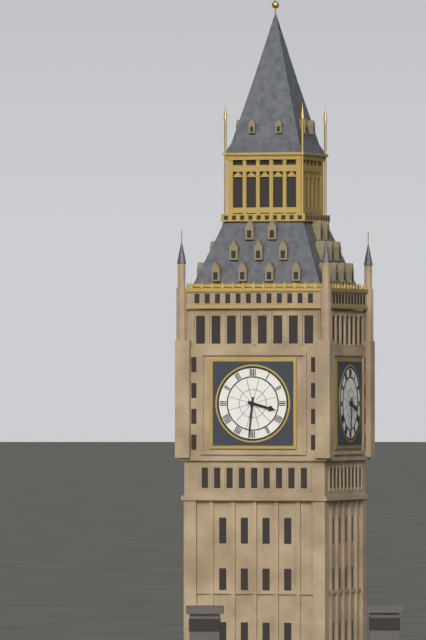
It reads {"hour": 3, "minute": 31}
